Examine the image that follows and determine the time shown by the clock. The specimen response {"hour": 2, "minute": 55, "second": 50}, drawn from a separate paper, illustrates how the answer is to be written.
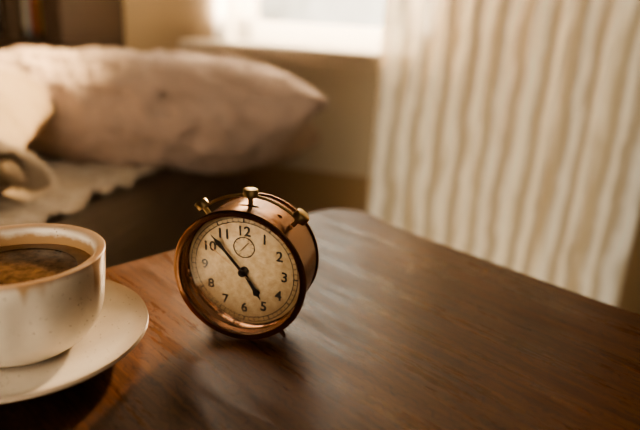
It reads {"hour": 4, "minute": 53, "second": 51}
